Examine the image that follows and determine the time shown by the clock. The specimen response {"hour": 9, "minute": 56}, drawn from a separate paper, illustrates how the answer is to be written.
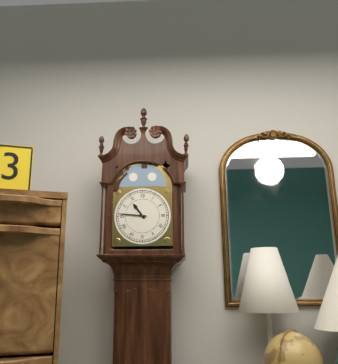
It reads {"hour": 10, "minute": 46}
